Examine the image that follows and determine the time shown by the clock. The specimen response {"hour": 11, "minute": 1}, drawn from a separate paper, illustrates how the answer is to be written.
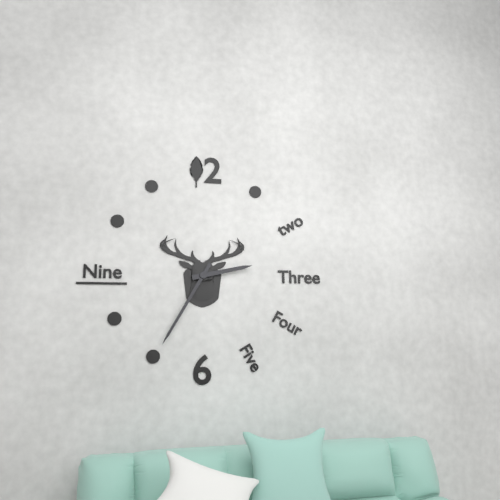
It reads {"hour": 2, "minute": 35}
